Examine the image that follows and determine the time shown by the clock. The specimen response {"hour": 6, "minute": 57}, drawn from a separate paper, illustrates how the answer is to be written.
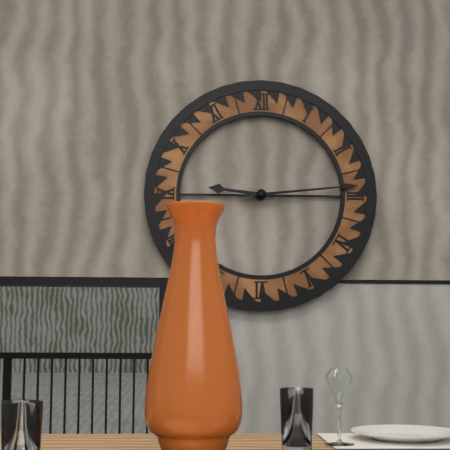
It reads {"hour": 9, "minute": 14}
